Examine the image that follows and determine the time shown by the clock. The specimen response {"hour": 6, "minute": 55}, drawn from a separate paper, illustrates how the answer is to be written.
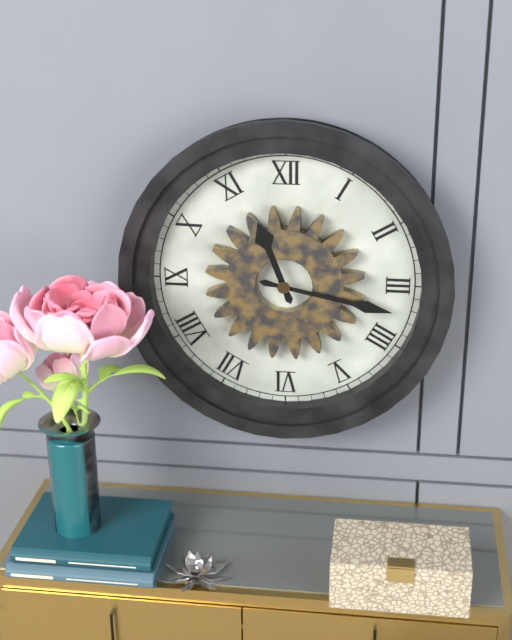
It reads {"hour": 11, "minute": 17}
